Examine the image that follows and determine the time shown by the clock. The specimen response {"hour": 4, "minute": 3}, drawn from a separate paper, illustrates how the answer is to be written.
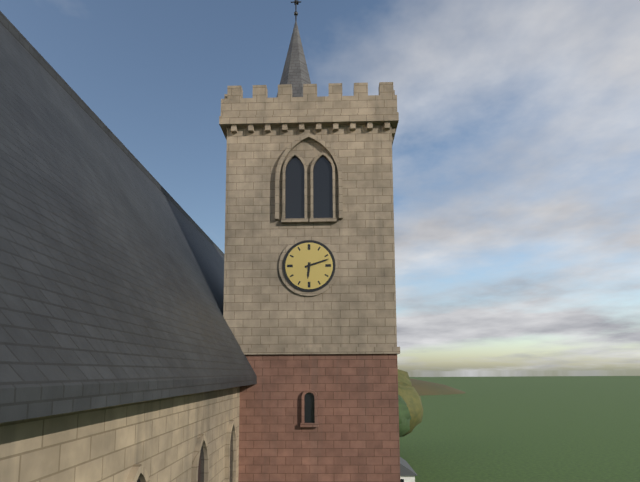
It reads {"hour": 6, "minute": 12}
